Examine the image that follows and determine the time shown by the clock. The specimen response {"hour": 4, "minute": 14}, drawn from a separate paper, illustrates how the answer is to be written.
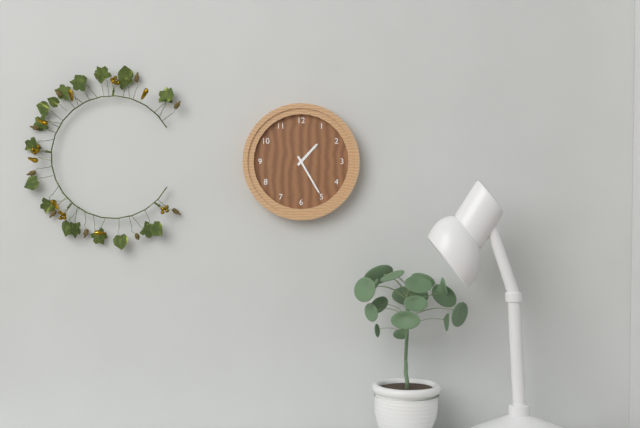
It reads {"hour": 1, "minute": 25}
